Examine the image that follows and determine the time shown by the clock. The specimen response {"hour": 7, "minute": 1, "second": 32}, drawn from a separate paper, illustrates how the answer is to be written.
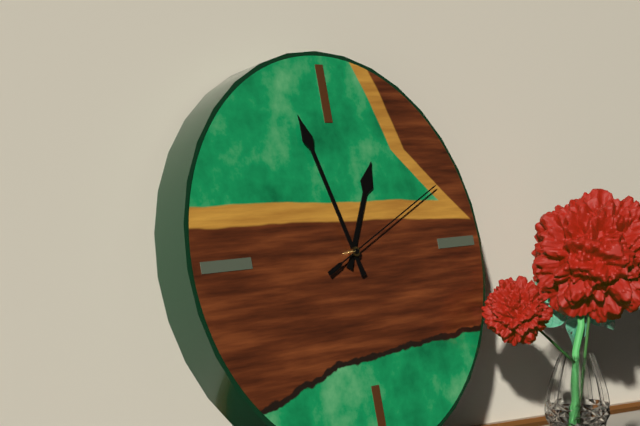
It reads {"hour": 12, "minute": 57, "second": 11}
